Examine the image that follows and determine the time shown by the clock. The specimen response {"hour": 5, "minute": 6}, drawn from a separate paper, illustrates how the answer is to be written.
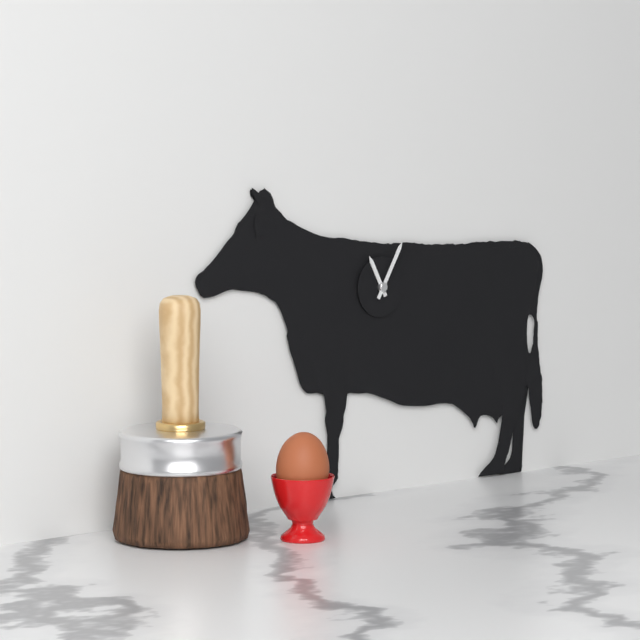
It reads {"hour": 11, "minute": 5}
